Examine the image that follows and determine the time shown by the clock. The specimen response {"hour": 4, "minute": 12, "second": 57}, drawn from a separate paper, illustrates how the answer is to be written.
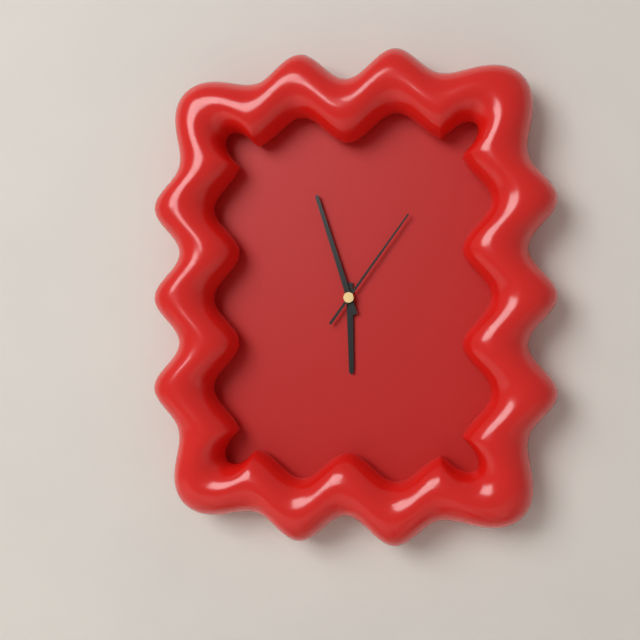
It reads {"hour": 5, "minute": 57, "second": 6}
